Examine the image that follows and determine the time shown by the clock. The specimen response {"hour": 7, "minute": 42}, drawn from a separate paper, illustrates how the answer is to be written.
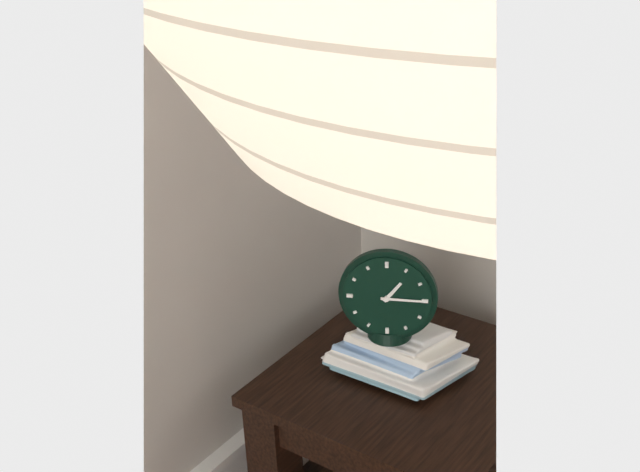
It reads {"hour": 1, "minute": 15}
